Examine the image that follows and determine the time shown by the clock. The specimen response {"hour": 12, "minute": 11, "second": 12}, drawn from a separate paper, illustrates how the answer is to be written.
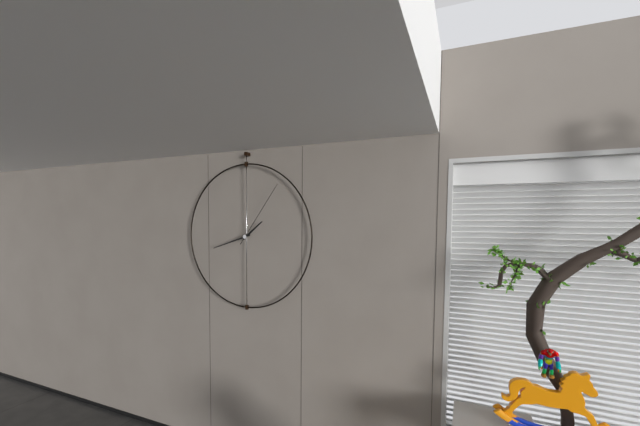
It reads {"hour": 1, "minute": 42, "second": 6}
